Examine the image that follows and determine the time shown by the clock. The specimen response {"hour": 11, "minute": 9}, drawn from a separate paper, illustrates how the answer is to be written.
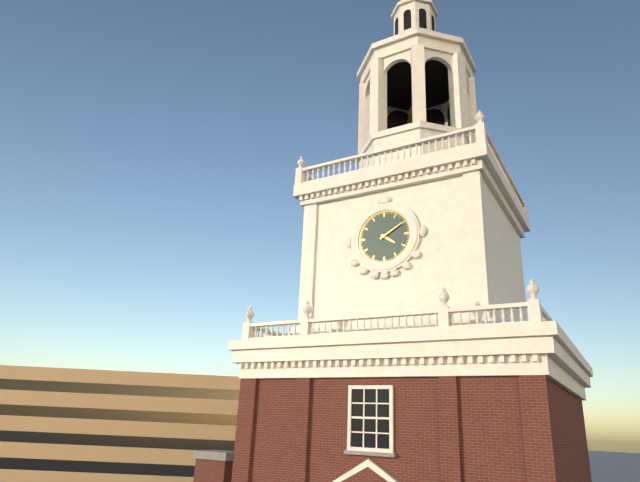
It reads {"hour": 4, "minute": 10}
